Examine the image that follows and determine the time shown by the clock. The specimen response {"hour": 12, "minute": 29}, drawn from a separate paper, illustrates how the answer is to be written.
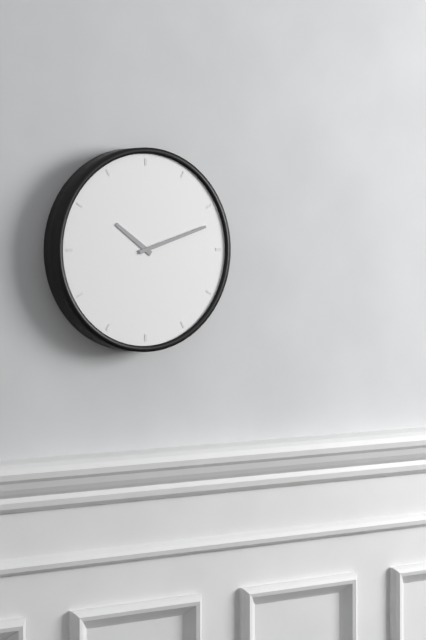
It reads {"hour": 10, "minute": 12}
